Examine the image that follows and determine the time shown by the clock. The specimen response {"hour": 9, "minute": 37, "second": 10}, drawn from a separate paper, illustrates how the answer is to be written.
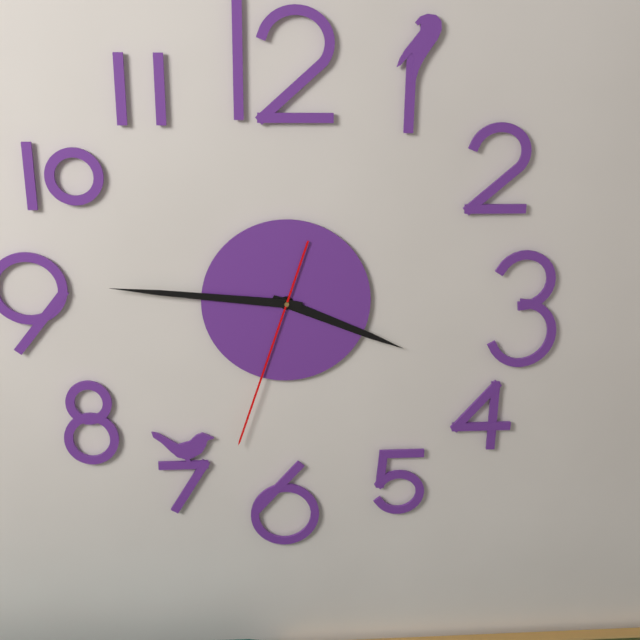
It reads {"hour": 3, "minute": 46, "second": 33}
